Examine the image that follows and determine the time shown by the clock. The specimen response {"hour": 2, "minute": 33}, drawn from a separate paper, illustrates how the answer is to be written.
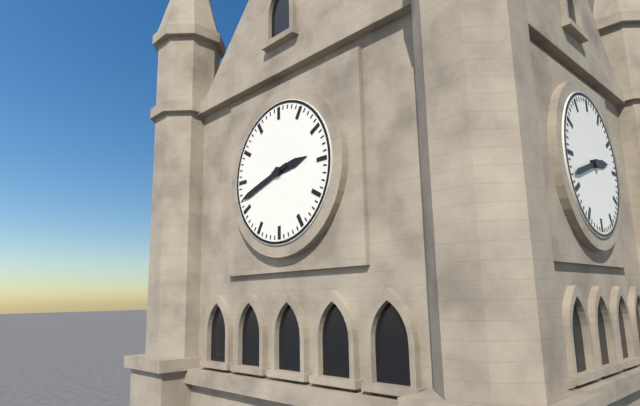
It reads {"hour": 2, "minute": 42}
